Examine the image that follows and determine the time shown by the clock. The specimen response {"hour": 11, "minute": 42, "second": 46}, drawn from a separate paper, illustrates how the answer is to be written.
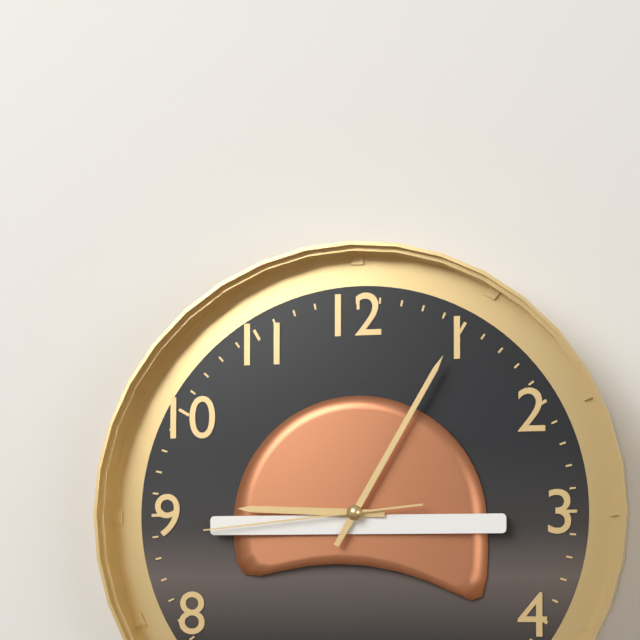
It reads {"hour": 9, "minute": 5, "second": 44}
